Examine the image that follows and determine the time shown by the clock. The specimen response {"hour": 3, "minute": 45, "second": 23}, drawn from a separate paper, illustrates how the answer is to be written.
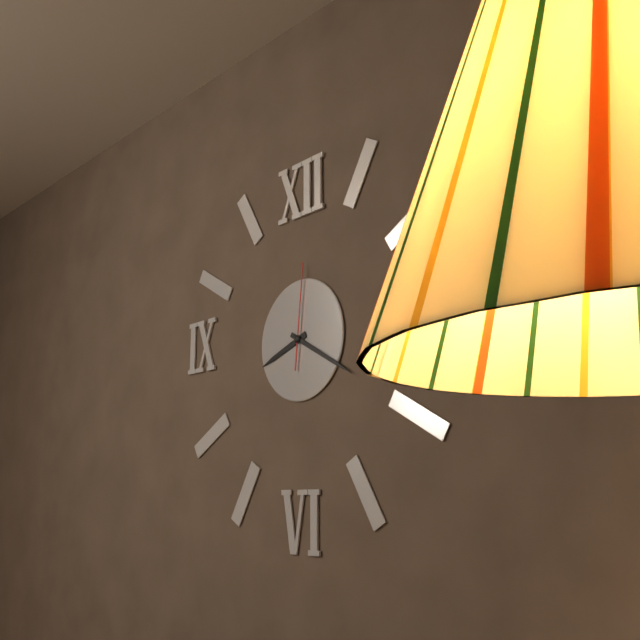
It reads {"hour": 8, "minute": 20, "second": 1}
